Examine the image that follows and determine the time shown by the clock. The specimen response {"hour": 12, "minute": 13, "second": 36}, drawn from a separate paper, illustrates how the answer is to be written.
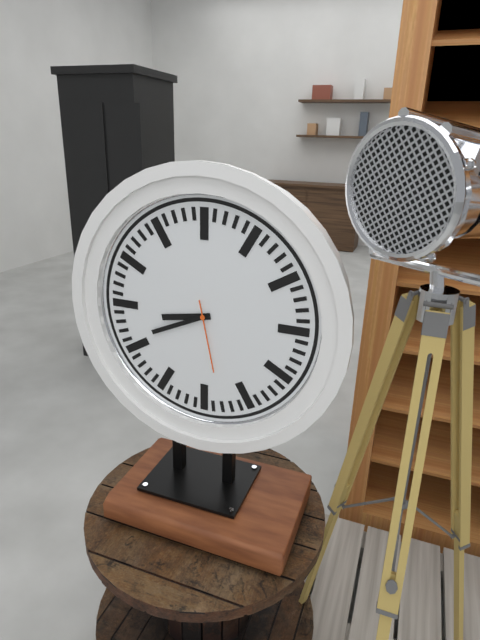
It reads {"hour": 8, "minute": 41, "second": 28}
